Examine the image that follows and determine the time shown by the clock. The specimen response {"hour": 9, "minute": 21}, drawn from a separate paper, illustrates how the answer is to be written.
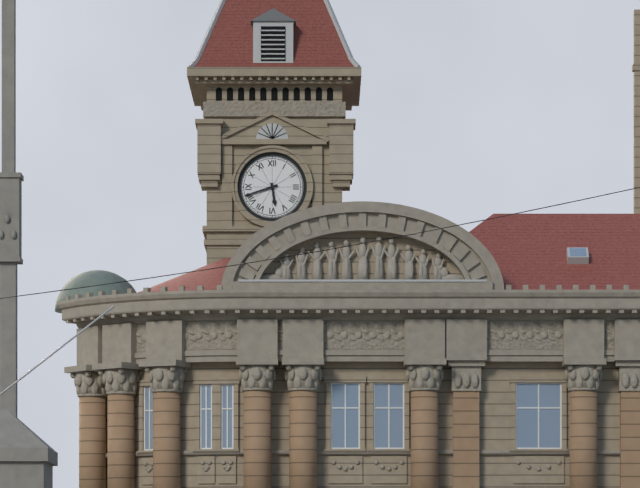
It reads {"hour": 5, "minute": 42}
